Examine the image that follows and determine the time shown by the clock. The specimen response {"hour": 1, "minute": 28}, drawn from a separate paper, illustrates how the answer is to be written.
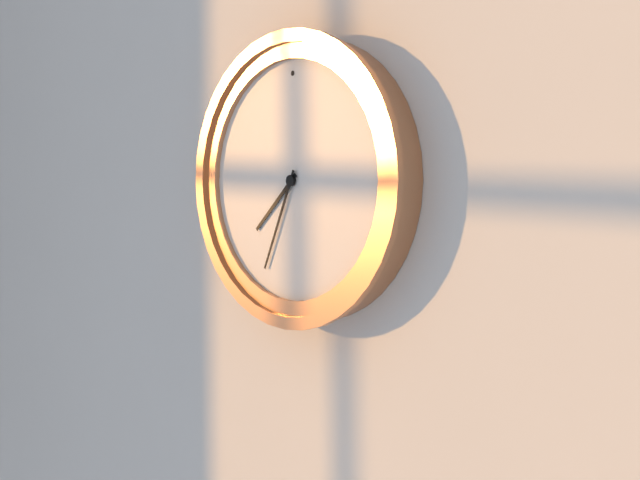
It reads {"hour": 7, "minute": 34}
